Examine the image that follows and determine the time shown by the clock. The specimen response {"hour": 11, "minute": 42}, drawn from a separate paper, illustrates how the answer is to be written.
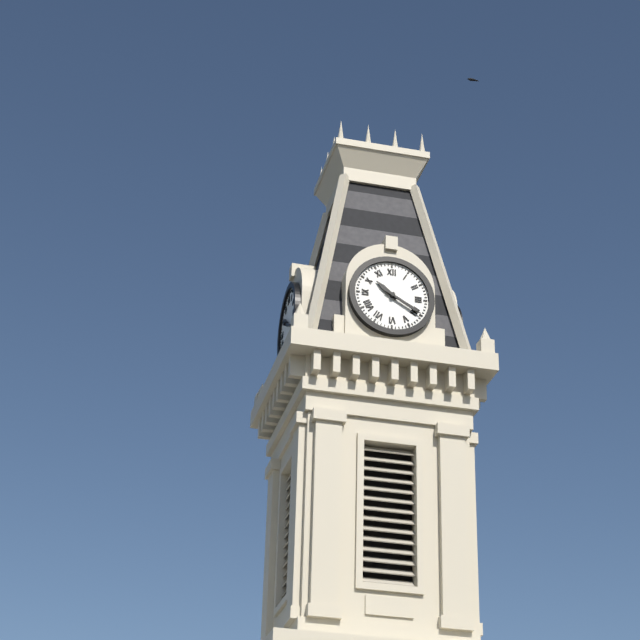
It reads {"hour": 10, "minute": 20}
